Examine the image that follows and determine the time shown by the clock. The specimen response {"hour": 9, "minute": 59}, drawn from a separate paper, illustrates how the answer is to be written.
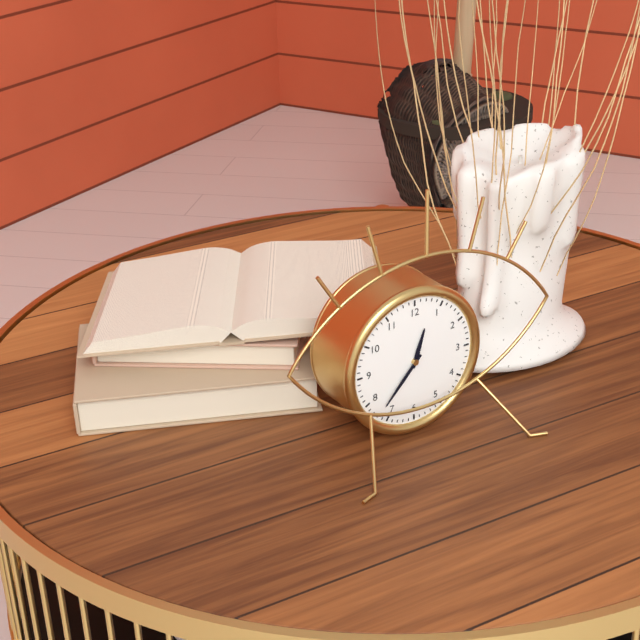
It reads {"hour": 12, "minute": 37}
